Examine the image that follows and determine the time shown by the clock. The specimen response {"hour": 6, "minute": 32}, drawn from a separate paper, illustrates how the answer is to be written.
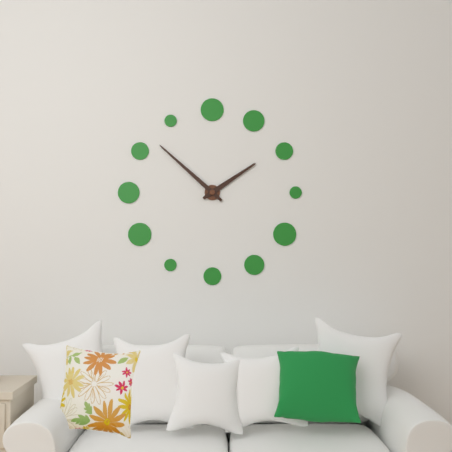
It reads {"hour": 1, "minute": 52}
